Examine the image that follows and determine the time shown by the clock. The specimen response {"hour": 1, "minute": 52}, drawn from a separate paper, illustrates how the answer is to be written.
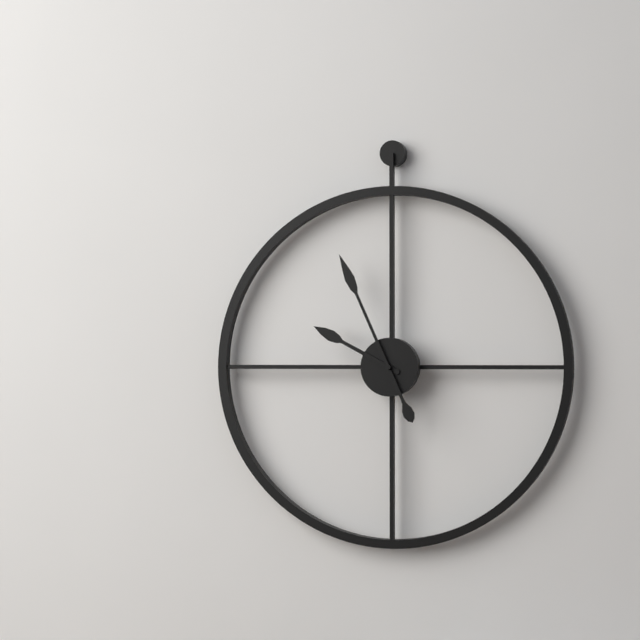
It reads {"hour": 9, "minute": 56}
